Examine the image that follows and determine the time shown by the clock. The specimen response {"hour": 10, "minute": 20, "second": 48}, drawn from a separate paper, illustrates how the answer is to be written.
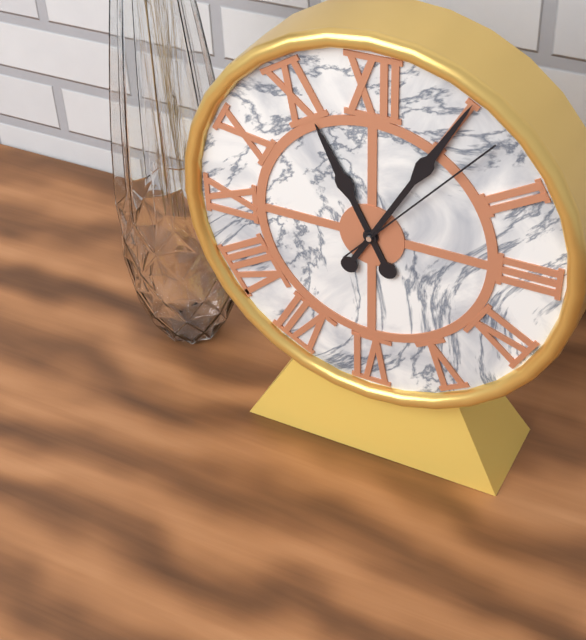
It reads {"hour": 11, "minute": 5, "second": 7}
